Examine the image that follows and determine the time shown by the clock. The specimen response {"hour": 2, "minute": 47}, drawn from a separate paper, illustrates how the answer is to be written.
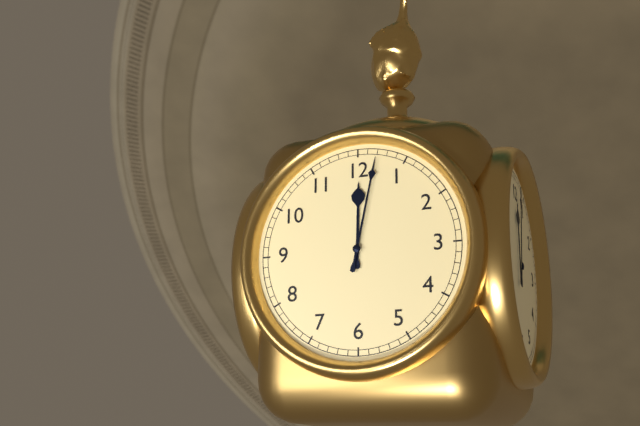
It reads {"hour": 12, "minute": 2}
